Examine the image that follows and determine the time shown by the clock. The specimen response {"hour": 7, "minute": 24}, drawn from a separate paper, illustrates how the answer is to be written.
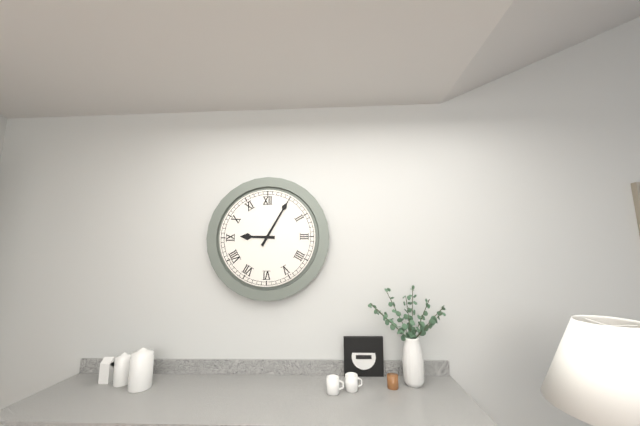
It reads {"hour": 9, "minute": 5}
